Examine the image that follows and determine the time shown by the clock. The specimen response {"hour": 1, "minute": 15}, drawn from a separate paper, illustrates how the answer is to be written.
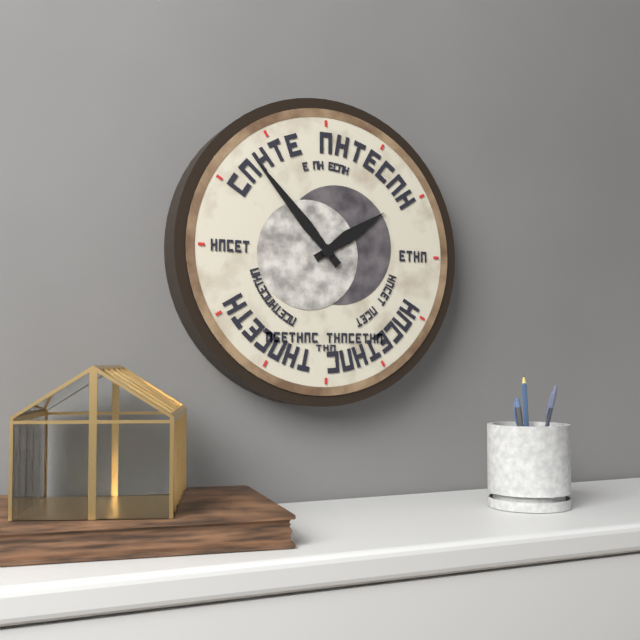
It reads {"hour": 1, "minute": 53}
